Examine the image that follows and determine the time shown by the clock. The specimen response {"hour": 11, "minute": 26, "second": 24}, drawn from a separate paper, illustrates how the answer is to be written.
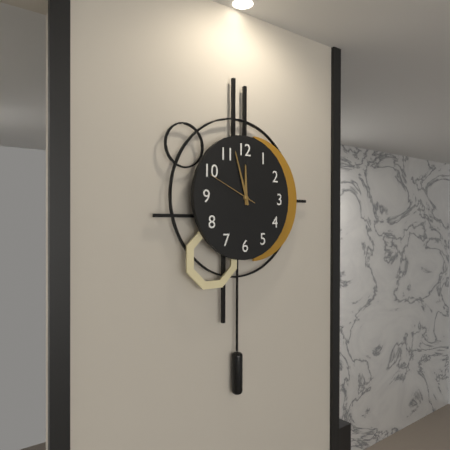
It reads {"hour": 11, "minute": 57, "second": 49}
